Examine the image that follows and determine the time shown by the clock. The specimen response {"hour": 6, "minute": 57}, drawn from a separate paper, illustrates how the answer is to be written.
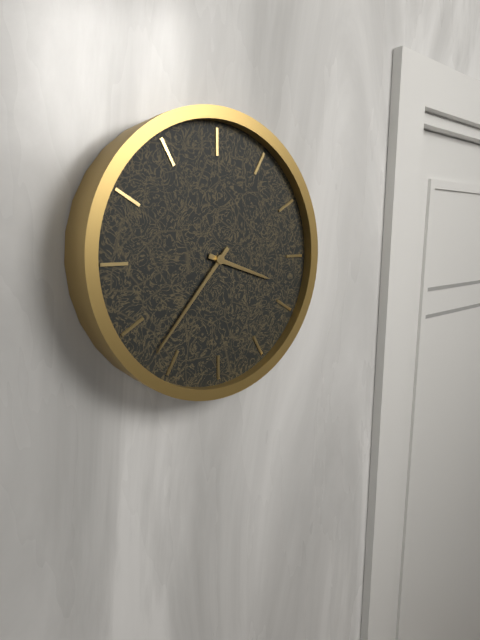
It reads {"hour": 3, "minute": 37}
